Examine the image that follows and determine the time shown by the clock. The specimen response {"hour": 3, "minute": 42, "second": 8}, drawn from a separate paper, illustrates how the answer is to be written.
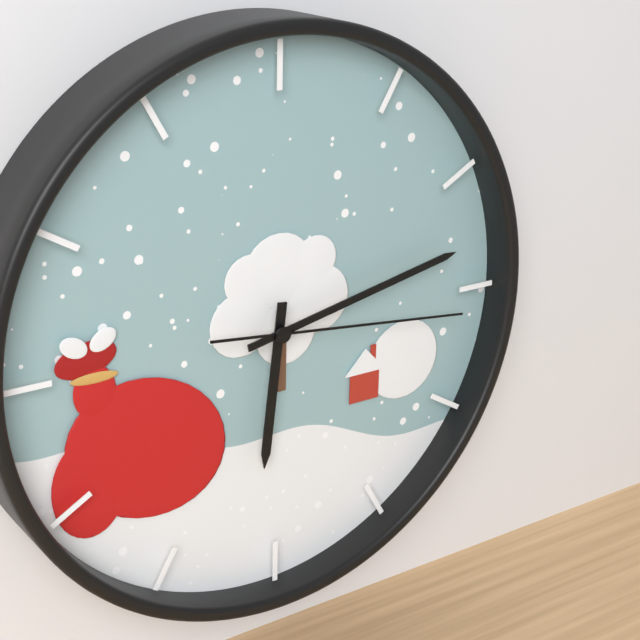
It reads {"hour": 6, "minute": 13, "second": 16}
